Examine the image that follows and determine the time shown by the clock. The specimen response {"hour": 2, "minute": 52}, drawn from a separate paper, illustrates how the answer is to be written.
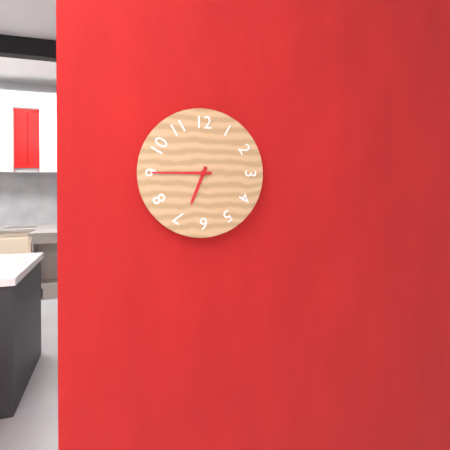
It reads {"hour": 6, "minute": 45}
